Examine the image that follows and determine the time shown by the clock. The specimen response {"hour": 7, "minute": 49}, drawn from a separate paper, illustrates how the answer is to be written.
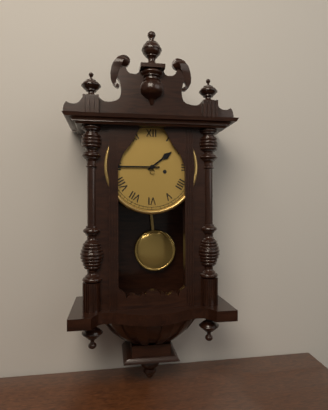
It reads {"hour": 1, "minute": 45}
